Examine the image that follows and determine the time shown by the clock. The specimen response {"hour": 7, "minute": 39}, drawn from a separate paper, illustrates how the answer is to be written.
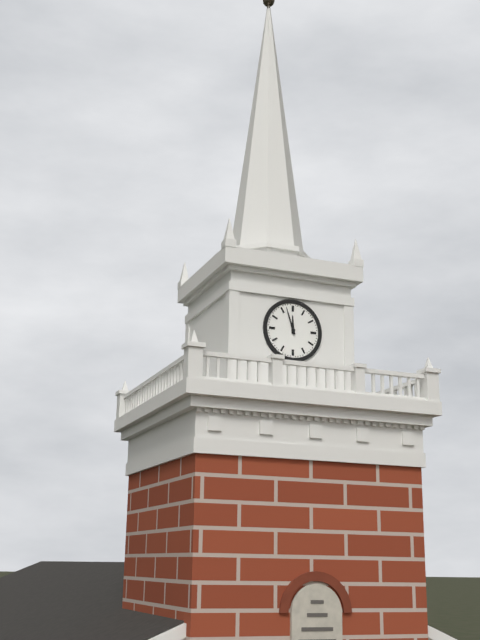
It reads {"hour": 11, "minute": 57}
